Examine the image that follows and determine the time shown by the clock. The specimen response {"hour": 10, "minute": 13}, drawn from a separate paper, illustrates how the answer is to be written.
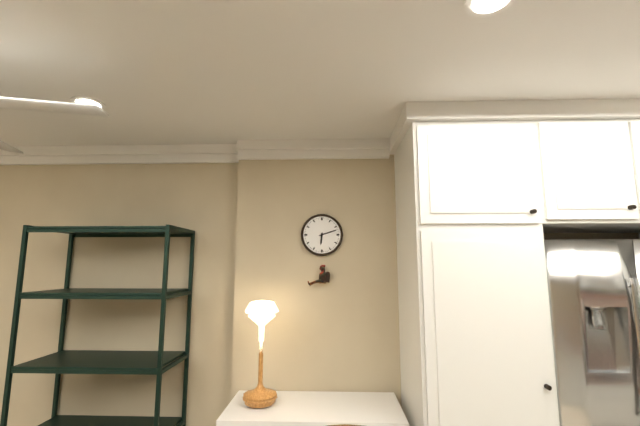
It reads {"hour": 6, "minute": 12}
